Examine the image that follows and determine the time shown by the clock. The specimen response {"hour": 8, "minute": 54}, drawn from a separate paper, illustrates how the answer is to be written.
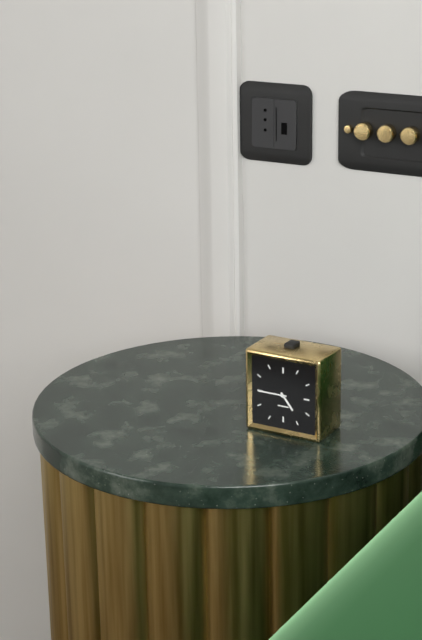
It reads {"hour": 4, "minute": 45}
